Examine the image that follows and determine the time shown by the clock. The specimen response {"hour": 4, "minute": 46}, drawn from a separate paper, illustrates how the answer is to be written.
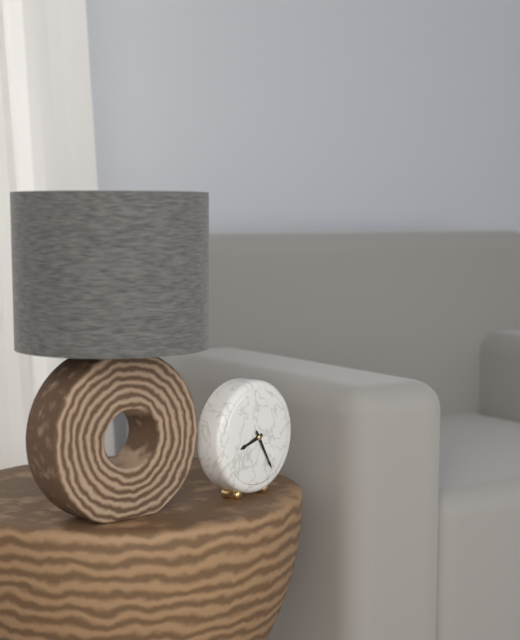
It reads {"hour": 8, "minute": 25}
